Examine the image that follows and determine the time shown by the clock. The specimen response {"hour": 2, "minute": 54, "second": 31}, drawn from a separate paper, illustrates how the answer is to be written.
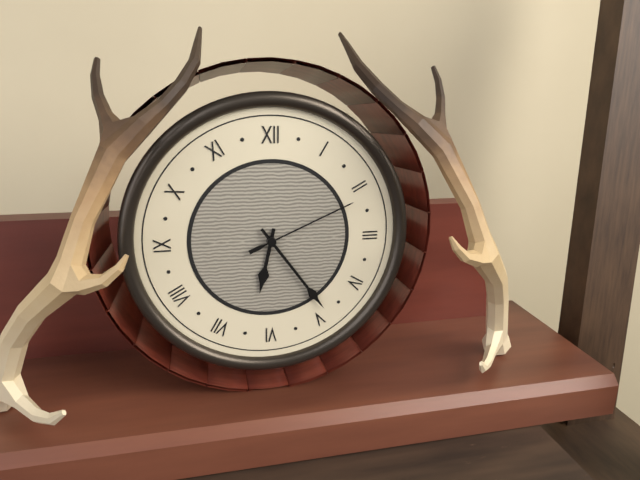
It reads {"hour": 6, "minute": 24, "second": 11}
